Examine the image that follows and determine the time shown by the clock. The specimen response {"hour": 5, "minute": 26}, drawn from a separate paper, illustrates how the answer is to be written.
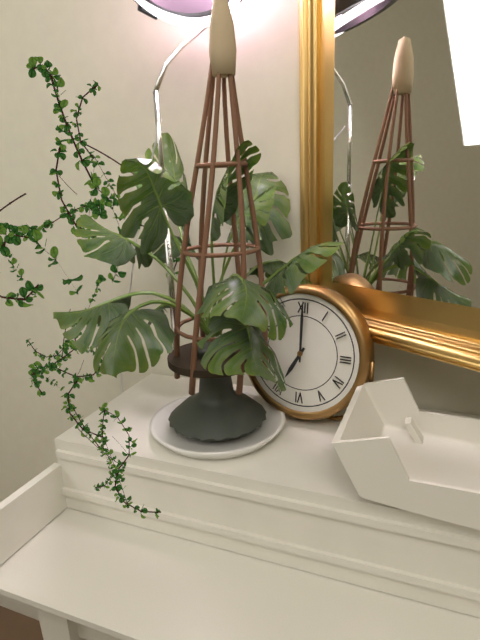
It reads {"hour": 7, "minute": 0}
